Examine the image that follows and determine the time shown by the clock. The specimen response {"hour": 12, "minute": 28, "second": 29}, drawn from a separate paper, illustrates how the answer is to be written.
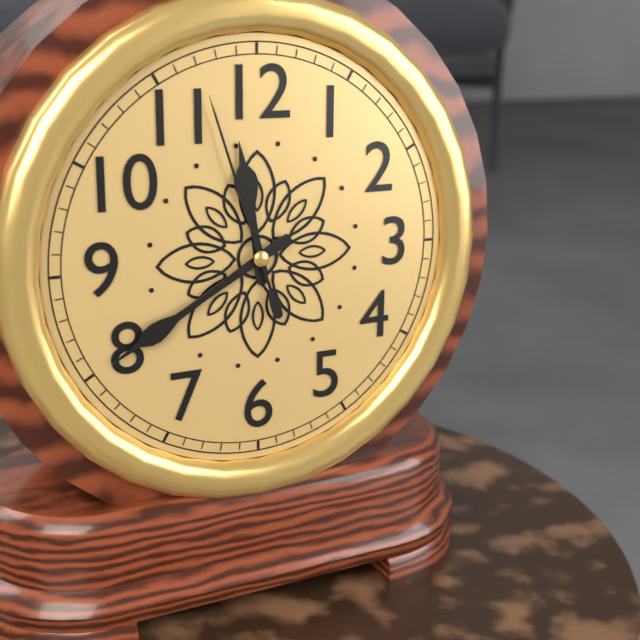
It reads {"hour": 11, "minute": 40, "second": 57}
